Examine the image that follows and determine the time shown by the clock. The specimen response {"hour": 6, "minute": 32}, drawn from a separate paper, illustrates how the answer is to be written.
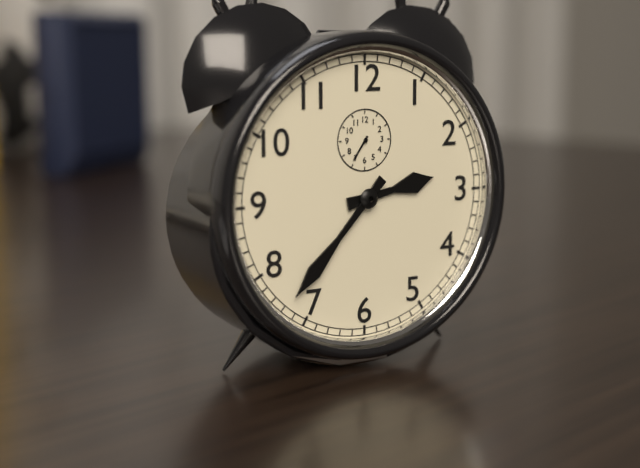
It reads {"hour": 2, "minute": 37}
